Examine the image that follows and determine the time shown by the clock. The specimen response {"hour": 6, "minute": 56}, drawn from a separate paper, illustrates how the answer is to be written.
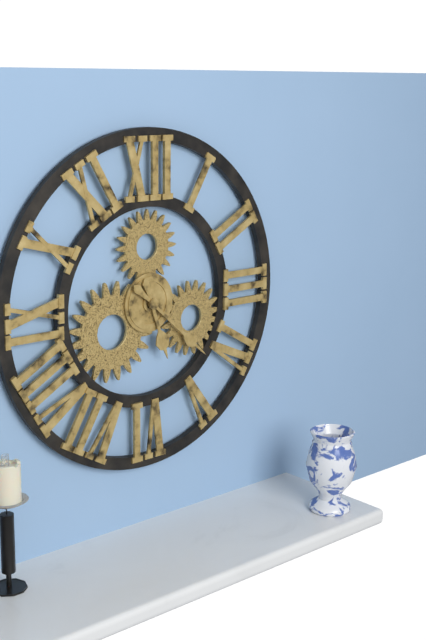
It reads {"hour": 5, "minute": 22}
